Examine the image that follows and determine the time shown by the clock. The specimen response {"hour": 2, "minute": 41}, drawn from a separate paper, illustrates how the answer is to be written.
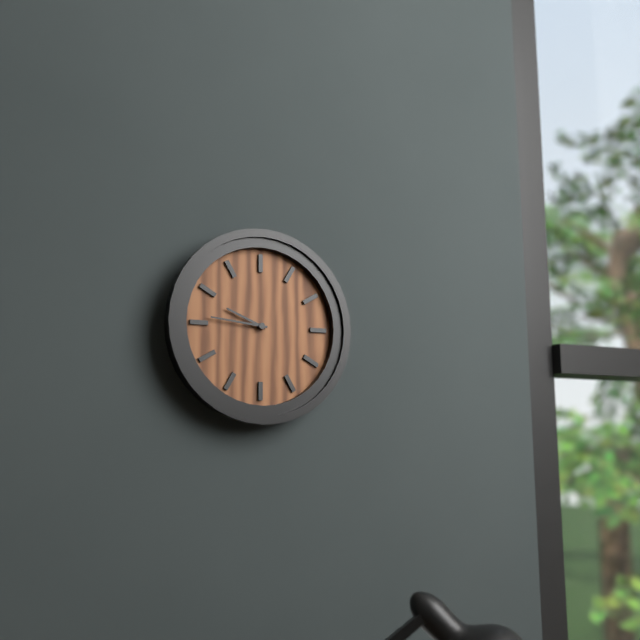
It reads {"hour": 9, "minute": 46}
